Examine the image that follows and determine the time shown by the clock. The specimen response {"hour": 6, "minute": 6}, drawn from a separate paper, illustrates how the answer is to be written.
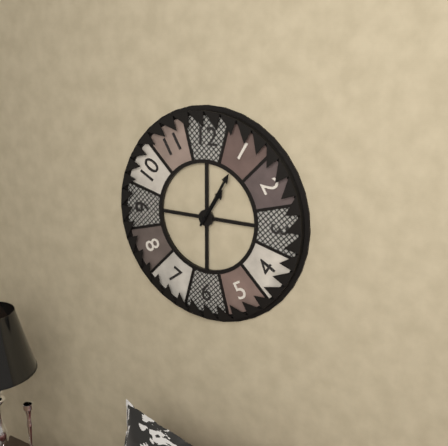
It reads {"hour": 1, "minute": 5}
